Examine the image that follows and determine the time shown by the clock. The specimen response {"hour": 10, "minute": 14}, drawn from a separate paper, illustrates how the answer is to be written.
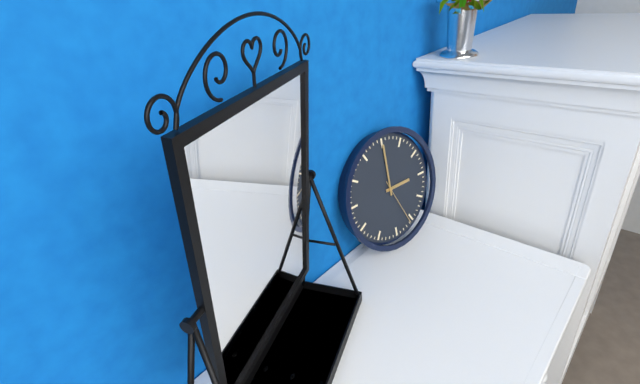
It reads {"hour": 3, "minute": 0}
